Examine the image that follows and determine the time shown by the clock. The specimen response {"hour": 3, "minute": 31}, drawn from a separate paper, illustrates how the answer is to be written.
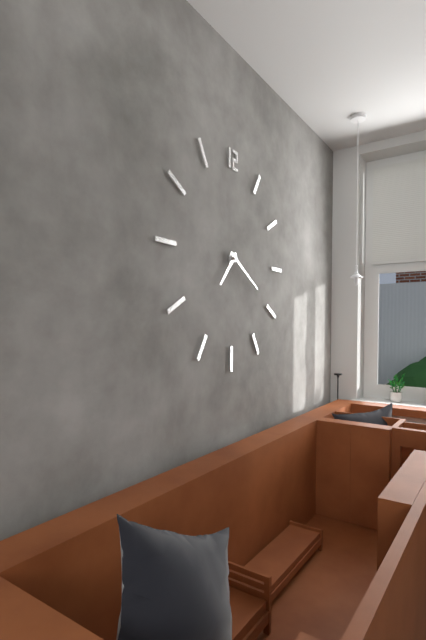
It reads {"hour": 7, "minute": 20}
